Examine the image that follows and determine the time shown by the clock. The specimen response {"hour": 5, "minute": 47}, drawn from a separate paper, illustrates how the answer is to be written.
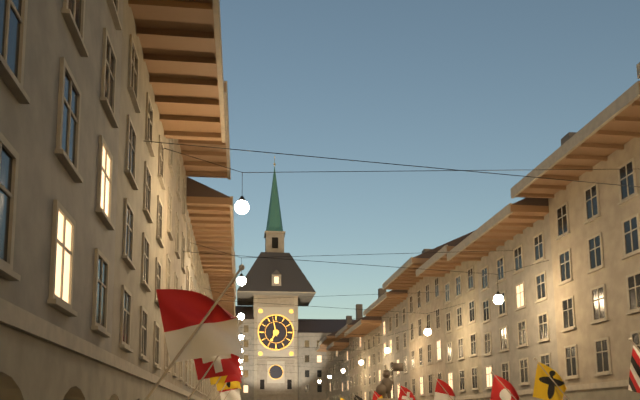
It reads {"hour": 6, "minute": 58}
